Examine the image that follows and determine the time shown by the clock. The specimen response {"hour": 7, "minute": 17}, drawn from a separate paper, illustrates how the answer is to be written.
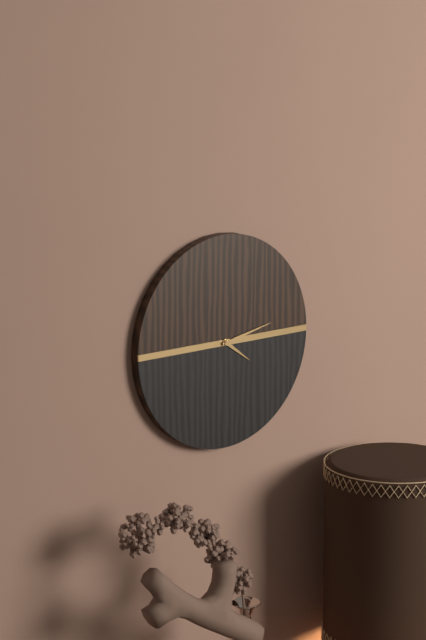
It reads {"hour": 4, "minute": 13}
